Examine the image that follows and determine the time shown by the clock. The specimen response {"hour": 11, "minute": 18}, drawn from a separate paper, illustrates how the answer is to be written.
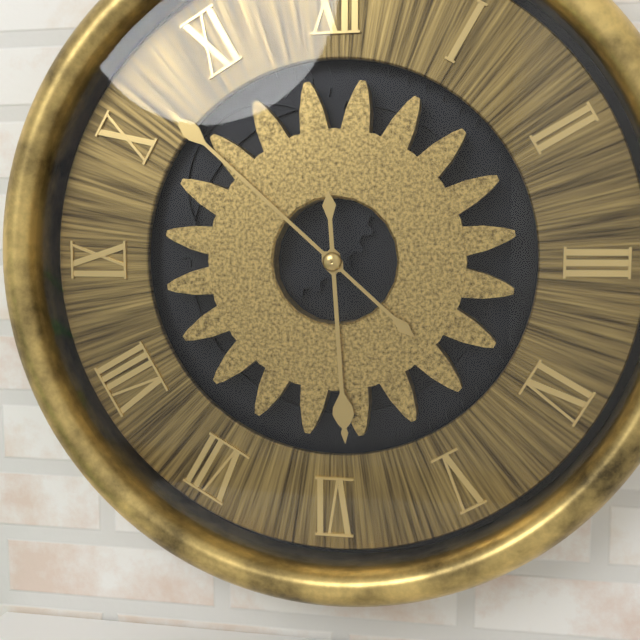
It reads {"hour": 5, "minute": 52}
